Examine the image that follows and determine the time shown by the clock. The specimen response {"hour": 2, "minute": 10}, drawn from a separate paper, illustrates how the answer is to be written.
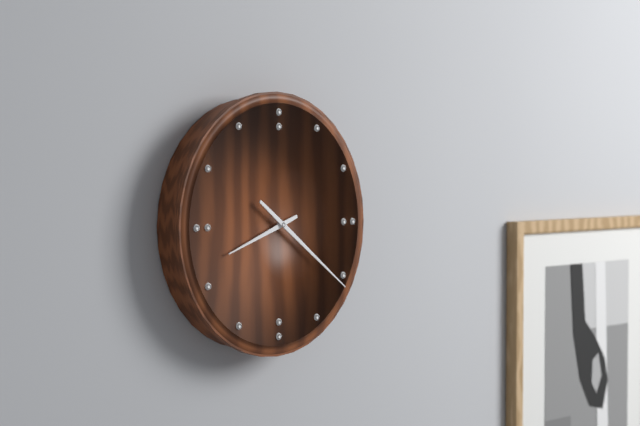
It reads {"hour": 8, "minute": 21}
